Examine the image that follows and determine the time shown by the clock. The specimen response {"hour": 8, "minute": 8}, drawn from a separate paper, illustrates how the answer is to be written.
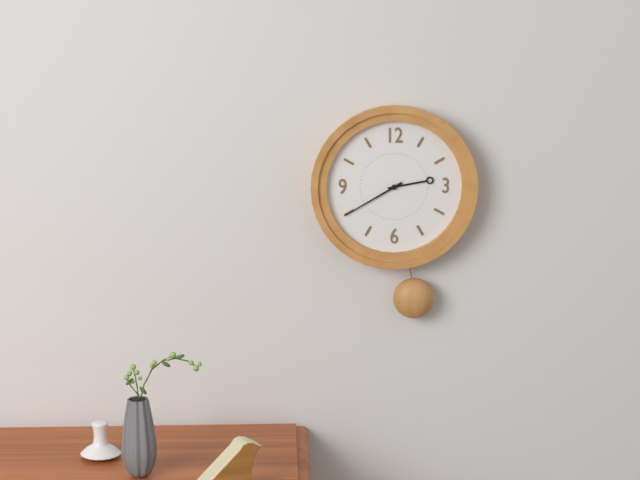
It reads {"hour": 2, "minute": 40}
